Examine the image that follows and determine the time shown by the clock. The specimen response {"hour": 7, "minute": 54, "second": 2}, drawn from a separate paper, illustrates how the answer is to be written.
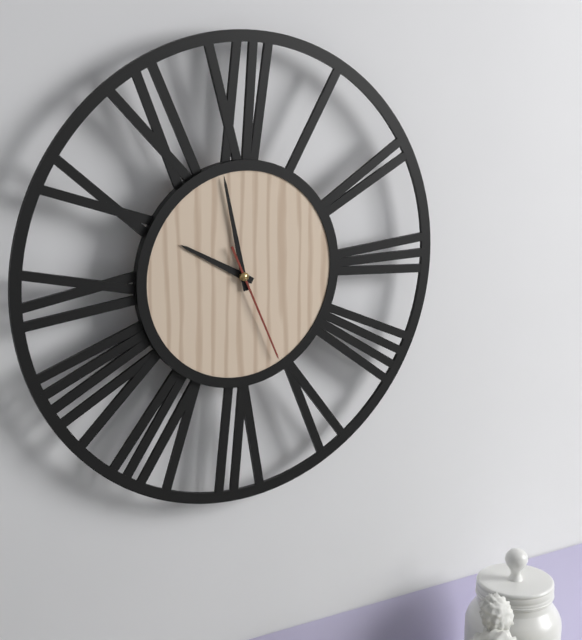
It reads {"hour": 9, "minute": 58, "second": 26}
